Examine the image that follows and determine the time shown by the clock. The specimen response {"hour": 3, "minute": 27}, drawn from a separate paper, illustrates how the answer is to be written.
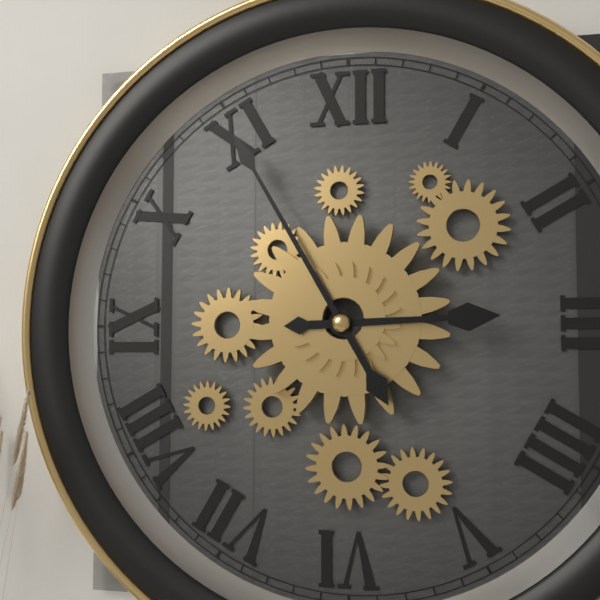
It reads {"hour": 2, "minute": 55}
